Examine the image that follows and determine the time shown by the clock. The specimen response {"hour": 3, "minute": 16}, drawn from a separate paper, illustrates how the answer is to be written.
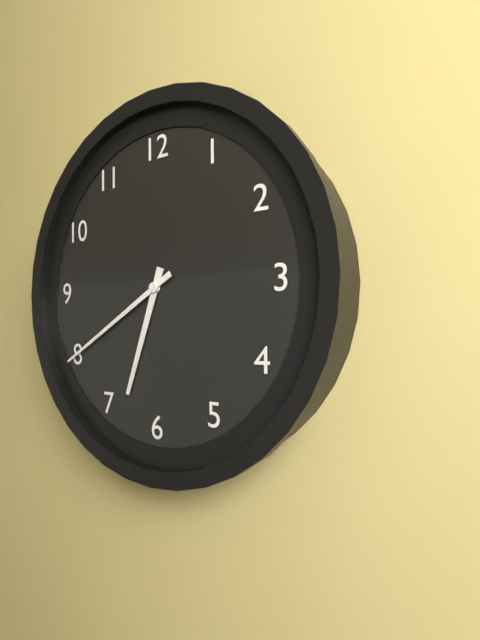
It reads {"hour": 6, "minute": 40}
